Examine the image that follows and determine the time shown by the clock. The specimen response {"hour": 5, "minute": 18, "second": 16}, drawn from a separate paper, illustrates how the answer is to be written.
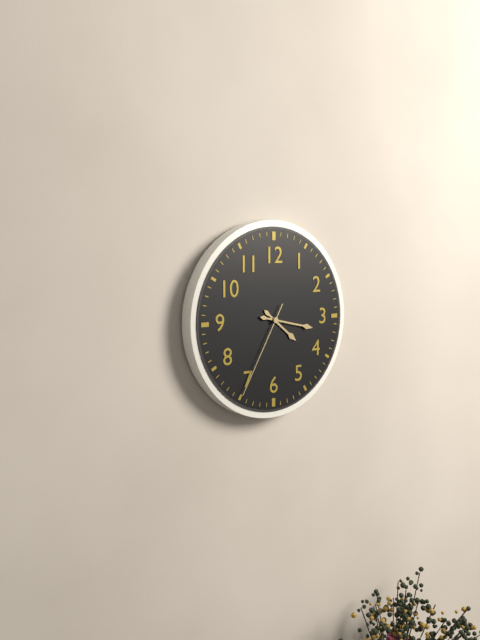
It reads {"hour": 4, "minute": 17, "second": 35}
